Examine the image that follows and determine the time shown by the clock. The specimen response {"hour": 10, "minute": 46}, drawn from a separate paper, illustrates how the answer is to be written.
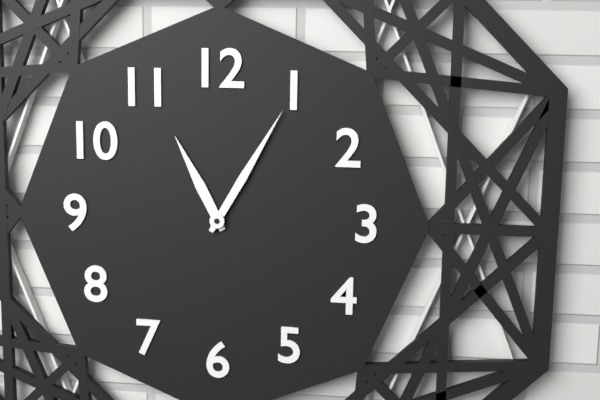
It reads {"hour": 11, "minute": 5}
